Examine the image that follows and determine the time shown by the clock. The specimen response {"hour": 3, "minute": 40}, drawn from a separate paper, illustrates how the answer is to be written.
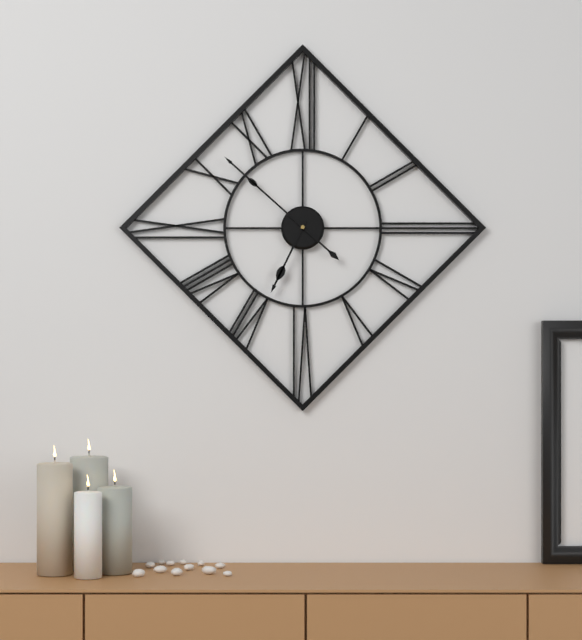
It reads {"hour": 6, "minute": 52}
